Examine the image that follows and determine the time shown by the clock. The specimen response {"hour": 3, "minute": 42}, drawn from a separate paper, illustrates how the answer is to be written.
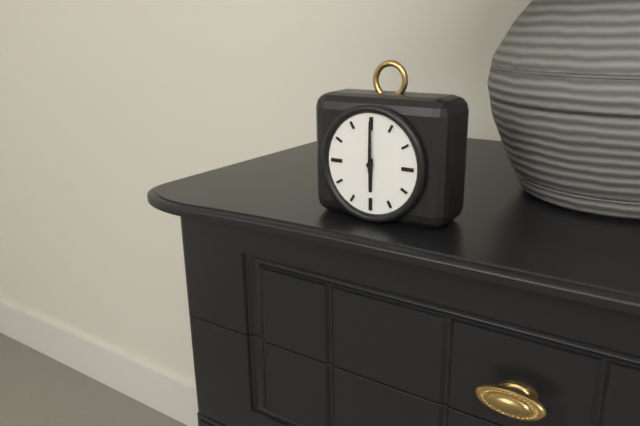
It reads {"hour": 6, "minute": 0}
